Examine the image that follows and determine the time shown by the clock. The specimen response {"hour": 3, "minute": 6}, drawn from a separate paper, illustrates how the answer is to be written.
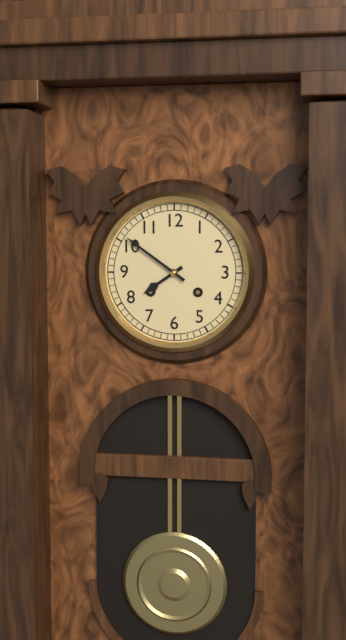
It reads {"hour": 7, "minute": 51}
